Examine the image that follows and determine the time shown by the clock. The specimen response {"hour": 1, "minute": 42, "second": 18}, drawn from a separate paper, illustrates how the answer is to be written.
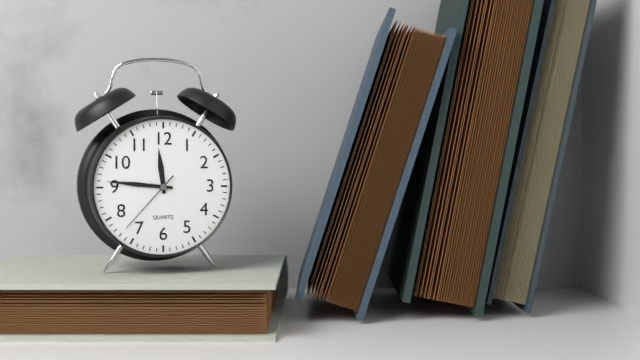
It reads {"hour": 11, "minute": 46, "second": 37}
